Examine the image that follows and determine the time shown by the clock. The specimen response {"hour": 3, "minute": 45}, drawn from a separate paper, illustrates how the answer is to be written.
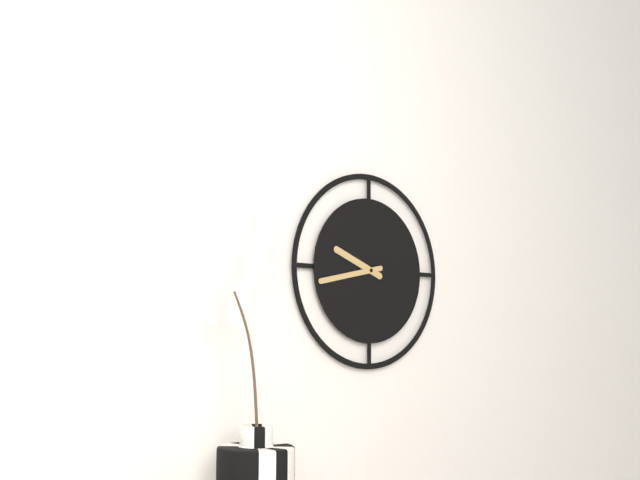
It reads {"hour": 9, "minute": 43}
